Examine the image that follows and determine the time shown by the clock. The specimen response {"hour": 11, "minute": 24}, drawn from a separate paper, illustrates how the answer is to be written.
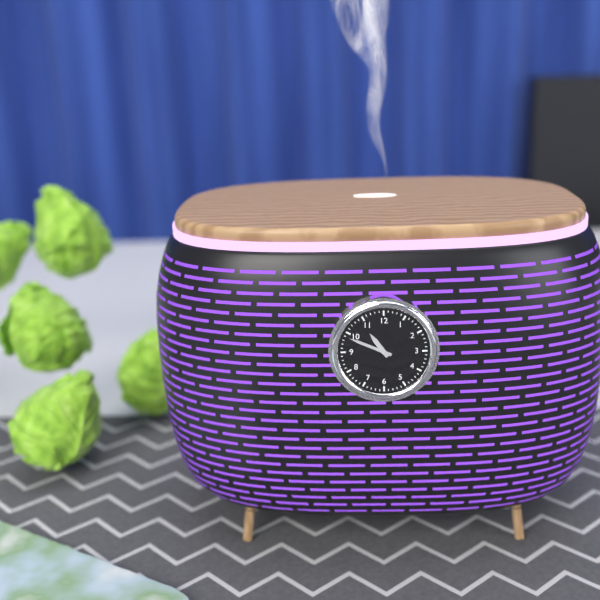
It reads {"hour": 10, "minute": 49}
